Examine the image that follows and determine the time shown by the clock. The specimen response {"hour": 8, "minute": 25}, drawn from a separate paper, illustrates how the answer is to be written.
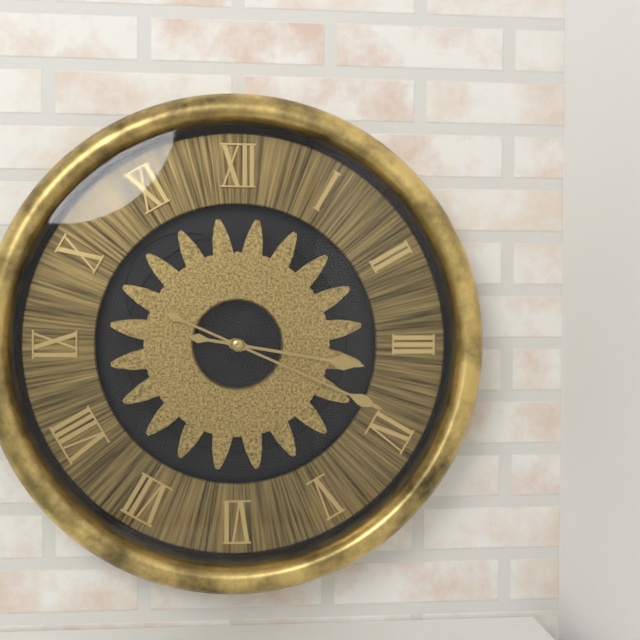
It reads {"hour": 3, "minute": 19}
